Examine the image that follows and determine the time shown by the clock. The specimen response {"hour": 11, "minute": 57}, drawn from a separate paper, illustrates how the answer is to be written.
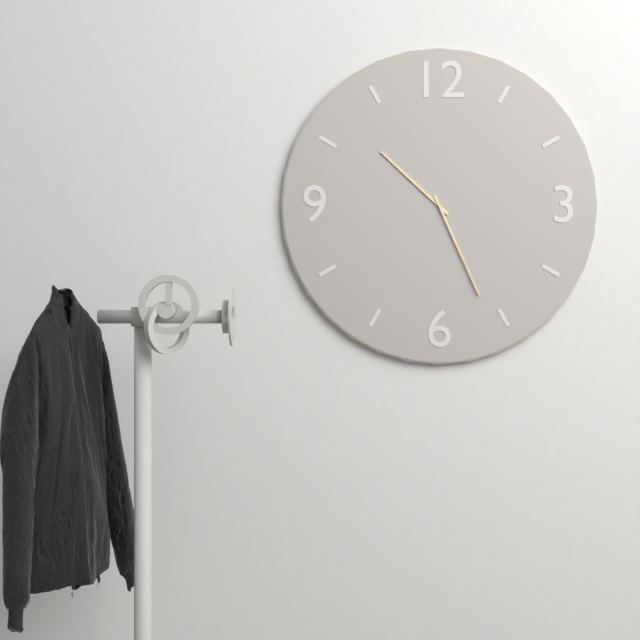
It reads {"hour": 10, "minute": 26}
